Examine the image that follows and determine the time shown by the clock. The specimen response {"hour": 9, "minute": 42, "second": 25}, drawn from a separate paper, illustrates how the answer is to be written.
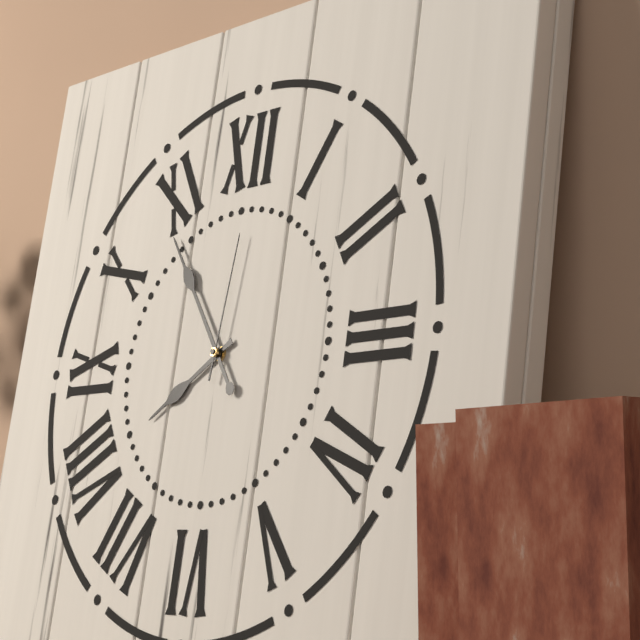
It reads {"hour": 7, "minute": 54, "second": 1}
